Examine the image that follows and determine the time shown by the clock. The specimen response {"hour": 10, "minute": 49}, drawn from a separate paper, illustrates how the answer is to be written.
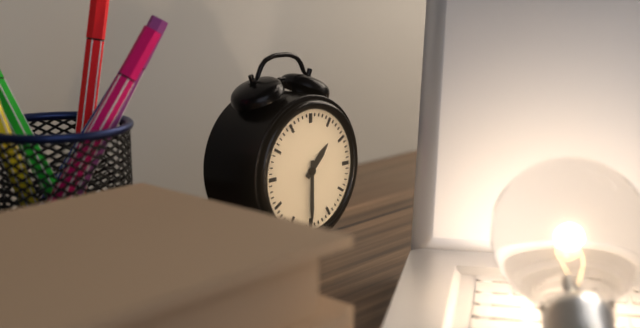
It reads {"hour": 1, "minute": 30}
